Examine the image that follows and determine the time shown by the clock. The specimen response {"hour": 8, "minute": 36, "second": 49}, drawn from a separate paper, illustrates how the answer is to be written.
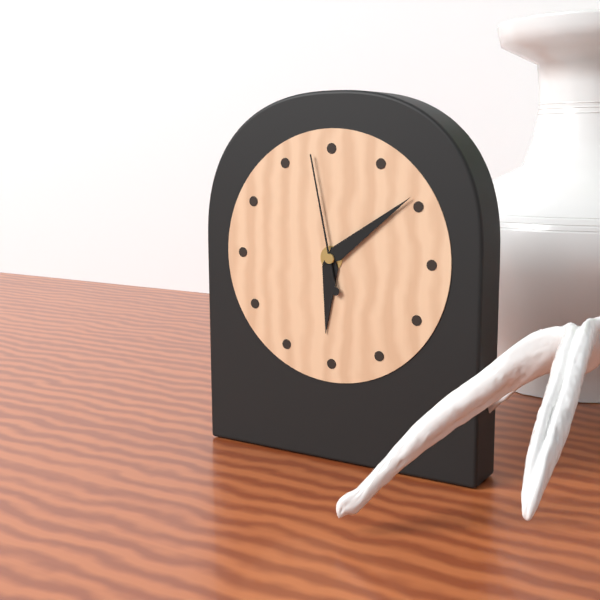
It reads {"hour": 6, "minute": 9, "second": 58}
